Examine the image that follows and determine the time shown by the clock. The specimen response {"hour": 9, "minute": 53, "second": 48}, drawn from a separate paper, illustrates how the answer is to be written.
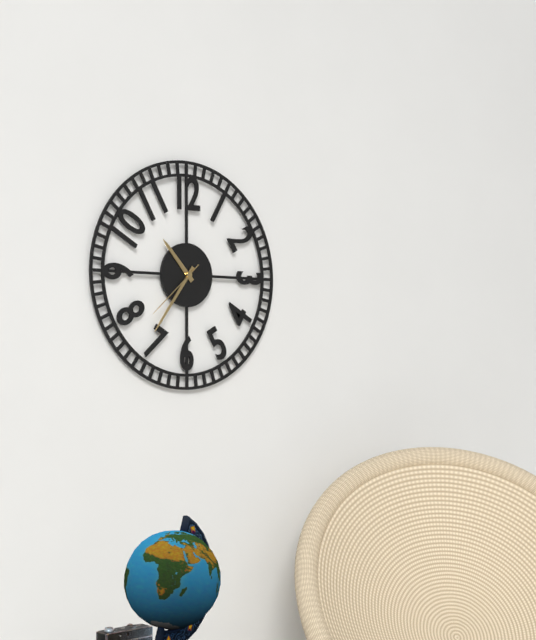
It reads {"hour": 10, "minute": 36, "second": 38}
